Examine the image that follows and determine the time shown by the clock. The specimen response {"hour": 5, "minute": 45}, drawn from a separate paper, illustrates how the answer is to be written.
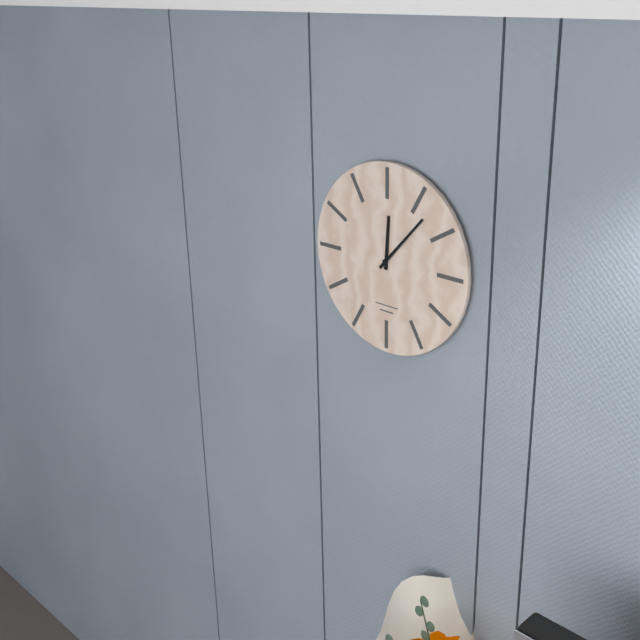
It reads {"hour": 12, "minute": 7}
